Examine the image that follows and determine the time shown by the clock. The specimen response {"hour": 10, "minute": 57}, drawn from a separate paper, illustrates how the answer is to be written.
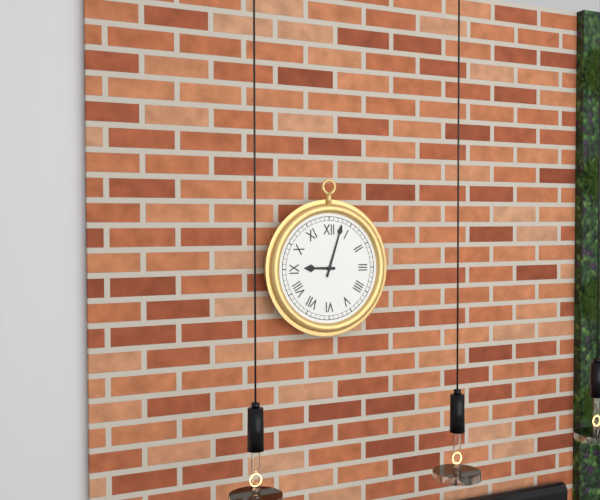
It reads {"hour": 9, "minute": 3}
